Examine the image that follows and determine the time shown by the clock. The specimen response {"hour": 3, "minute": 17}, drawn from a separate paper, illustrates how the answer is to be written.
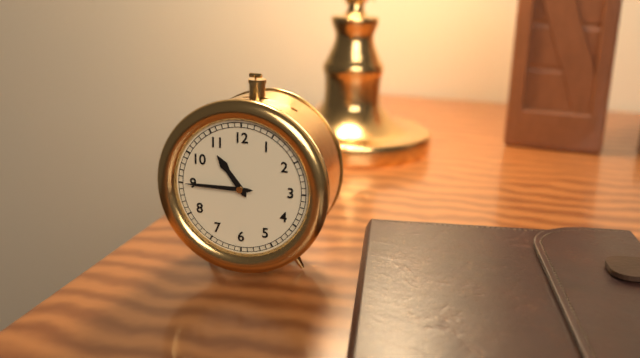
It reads {"hour": 10, "minute": 45}
